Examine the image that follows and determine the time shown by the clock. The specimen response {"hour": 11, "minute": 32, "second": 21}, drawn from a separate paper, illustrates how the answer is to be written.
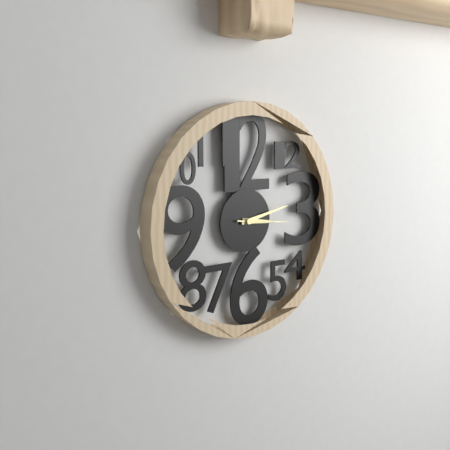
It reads {"hour": 3, "minute": 13, "second": 16}
